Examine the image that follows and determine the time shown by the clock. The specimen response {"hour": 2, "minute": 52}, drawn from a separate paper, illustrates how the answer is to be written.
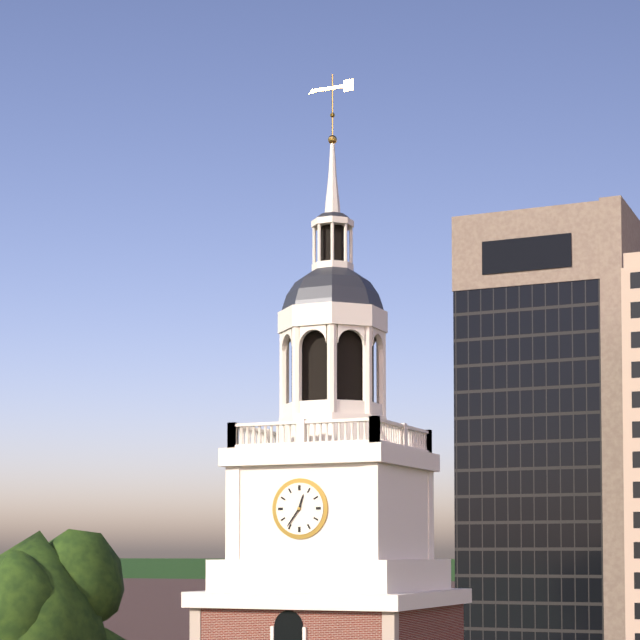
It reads {"hour": 12, "minute": 36}
